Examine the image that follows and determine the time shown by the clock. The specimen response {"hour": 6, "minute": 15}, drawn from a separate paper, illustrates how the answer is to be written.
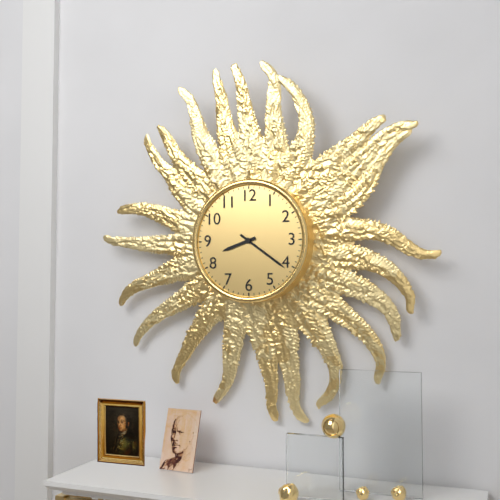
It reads {"hour": 8, "minute": 21}
